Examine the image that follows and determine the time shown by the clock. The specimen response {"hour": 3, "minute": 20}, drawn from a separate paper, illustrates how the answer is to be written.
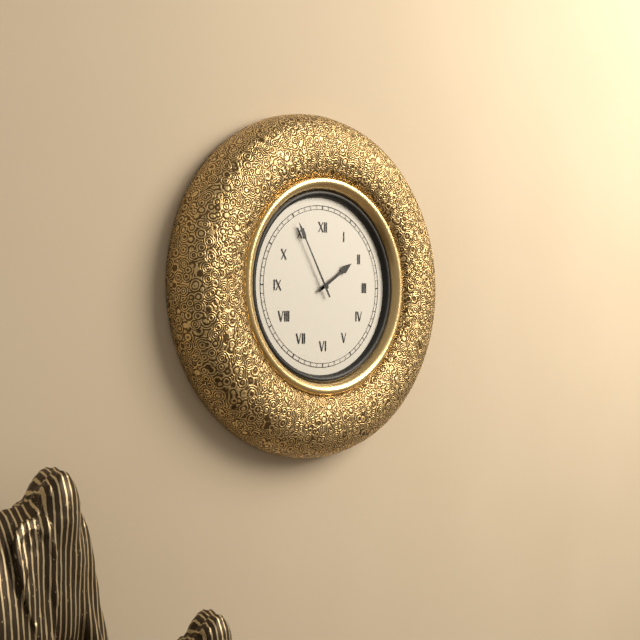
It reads {"hour": 1, "minute": 55}
